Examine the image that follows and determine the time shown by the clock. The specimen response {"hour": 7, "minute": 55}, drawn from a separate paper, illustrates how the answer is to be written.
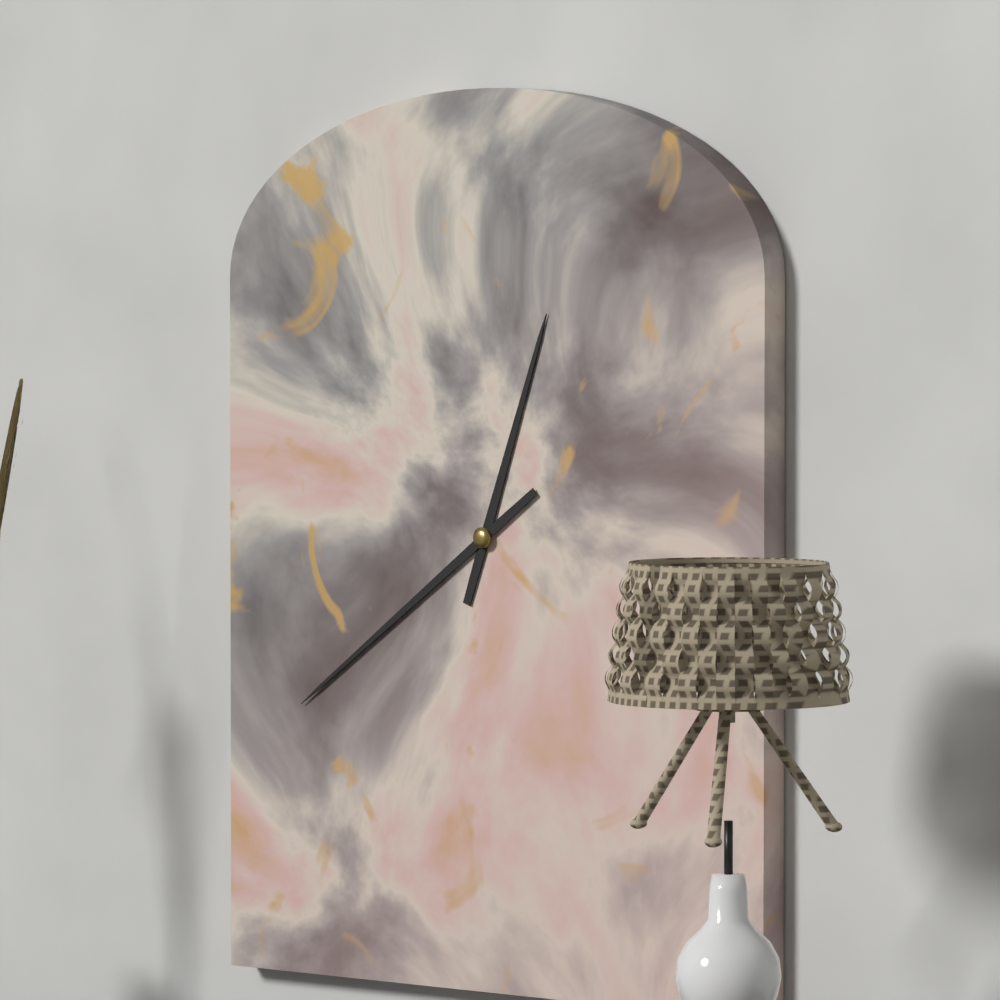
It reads {"hour": 12, "minute": 39}
